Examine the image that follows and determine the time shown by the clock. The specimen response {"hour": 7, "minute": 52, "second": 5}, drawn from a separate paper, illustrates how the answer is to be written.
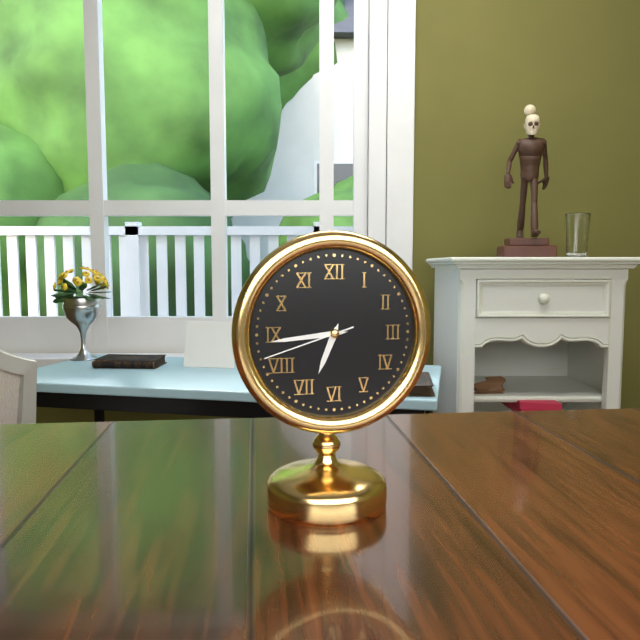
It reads {"hour": 6, "minute": 44, "second": 42}
